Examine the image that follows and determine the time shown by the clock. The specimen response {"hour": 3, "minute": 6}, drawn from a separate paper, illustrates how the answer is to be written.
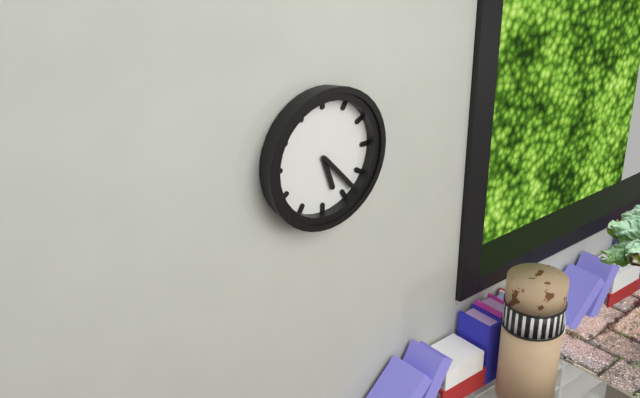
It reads {"hour": 5, "minute": 23}
